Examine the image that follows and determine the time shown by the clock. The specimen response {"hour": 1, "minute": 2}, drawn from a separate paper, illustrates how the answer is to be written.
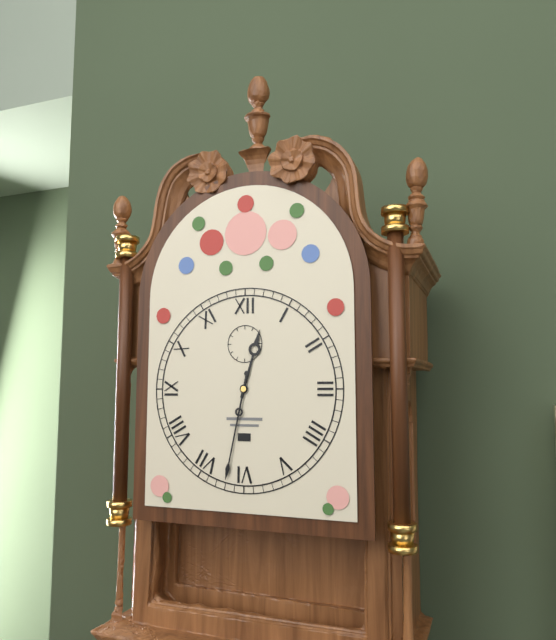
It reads {"hour": 12, "minute": 32}
